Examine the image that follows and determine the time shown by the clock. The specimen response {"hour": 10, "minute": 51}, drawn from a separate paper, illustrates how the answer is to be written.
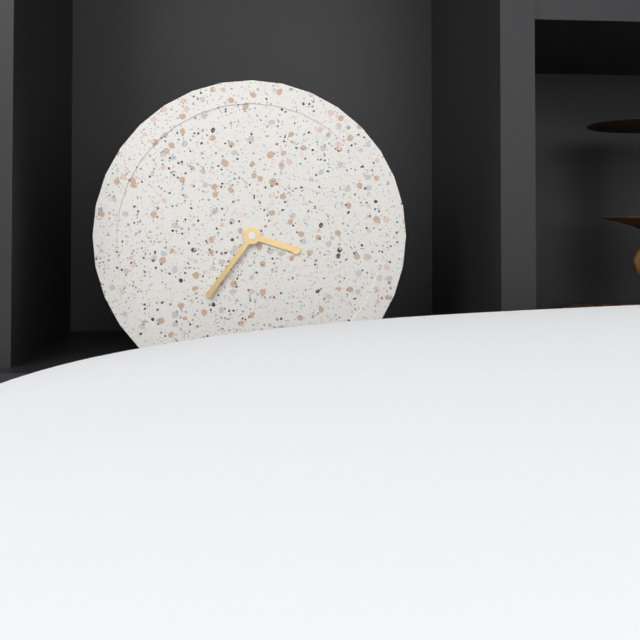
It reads {"hour": 3, "minute": 36}
